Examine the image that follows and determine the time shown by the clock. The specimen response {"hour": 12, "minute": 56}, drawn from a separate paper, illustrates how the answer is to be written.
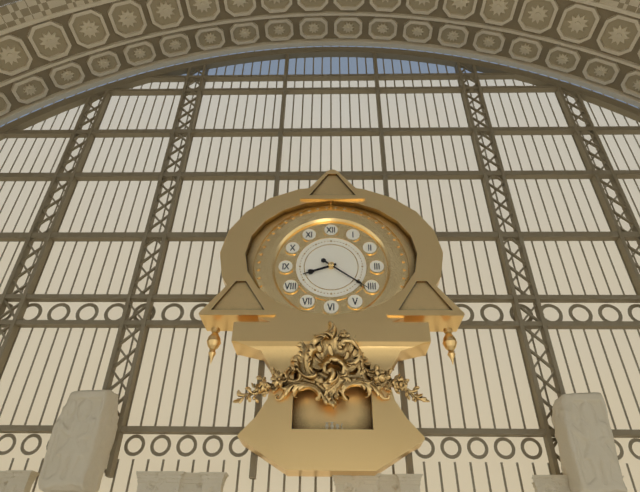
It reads {"hour": 8, "minute": 21}
